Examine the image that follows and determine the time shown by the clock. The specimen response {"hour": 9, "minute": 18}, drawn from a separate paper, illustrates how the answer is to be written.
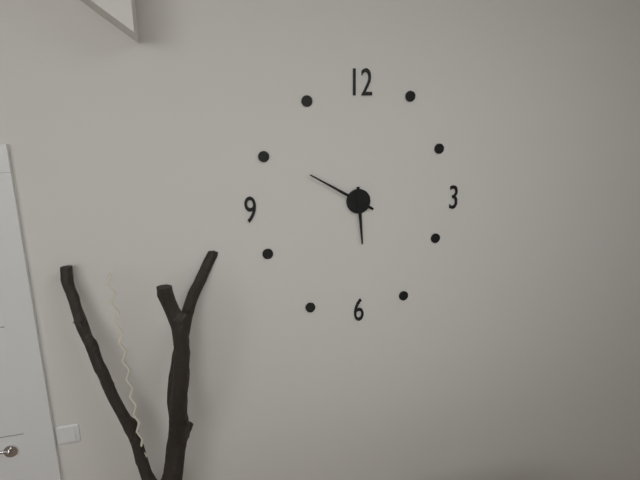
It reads {"hour": 5, "minute": 50}
